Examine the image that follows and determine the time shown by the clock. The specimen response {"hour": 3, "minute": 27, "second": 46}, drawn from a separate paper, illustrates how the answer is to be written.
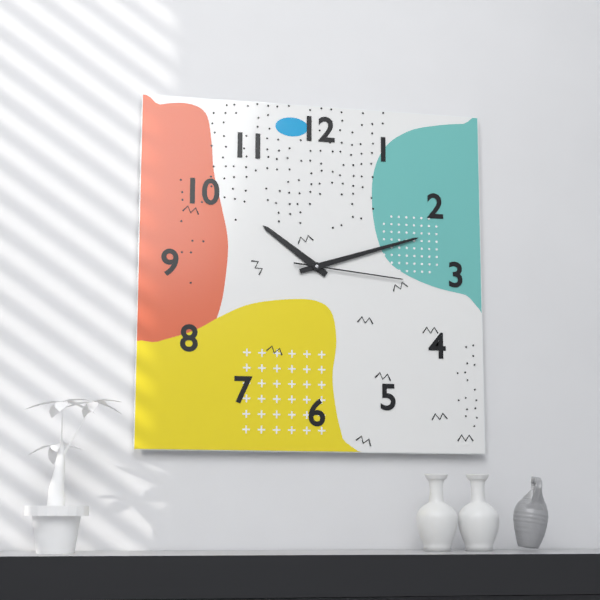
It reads {"hour": 10, "minute": 12, "second": 16}
